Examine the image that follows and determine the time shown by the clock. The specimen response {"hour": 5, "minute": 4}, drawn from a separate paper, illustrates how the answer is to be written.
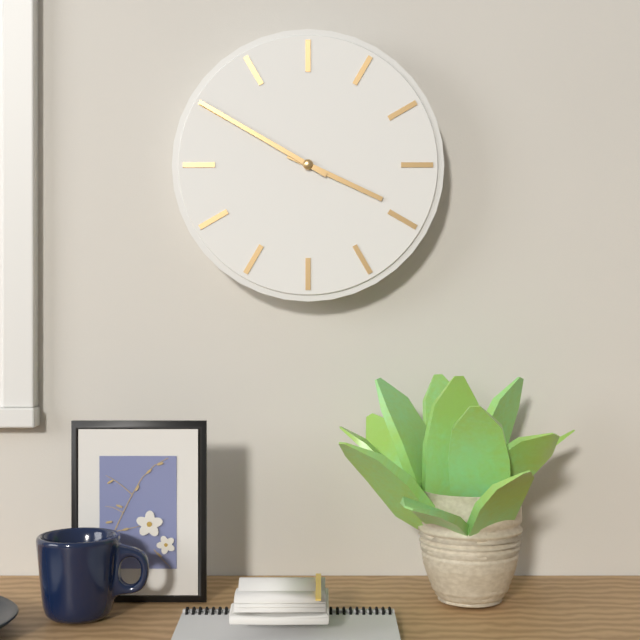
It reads {"hour": 3, "minute": 50}
